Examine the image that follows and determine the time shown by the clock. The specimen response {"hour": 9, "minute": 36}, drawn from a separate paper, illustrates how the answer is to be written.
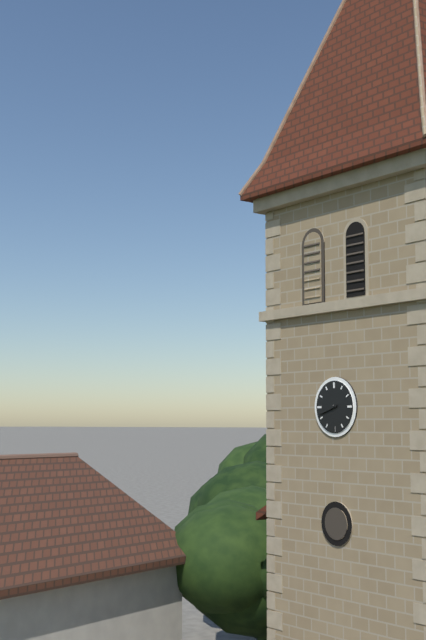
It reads {"hour": 8, "minute": 42}
